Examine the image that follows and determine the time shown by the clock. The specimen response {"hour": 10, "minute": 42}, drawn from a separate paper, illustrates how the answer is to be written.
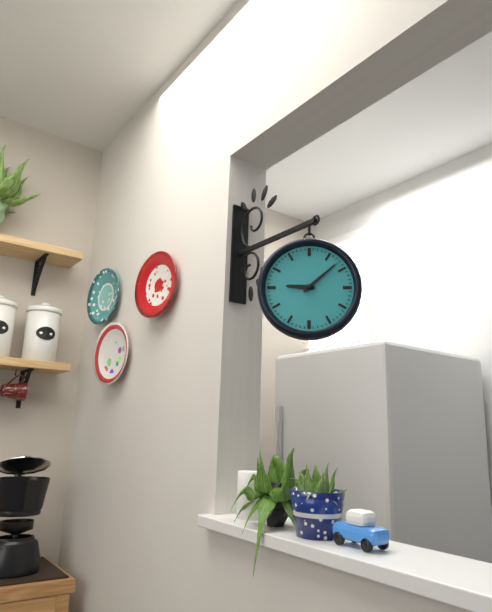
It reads {"hour": 9, "minute": 8}
